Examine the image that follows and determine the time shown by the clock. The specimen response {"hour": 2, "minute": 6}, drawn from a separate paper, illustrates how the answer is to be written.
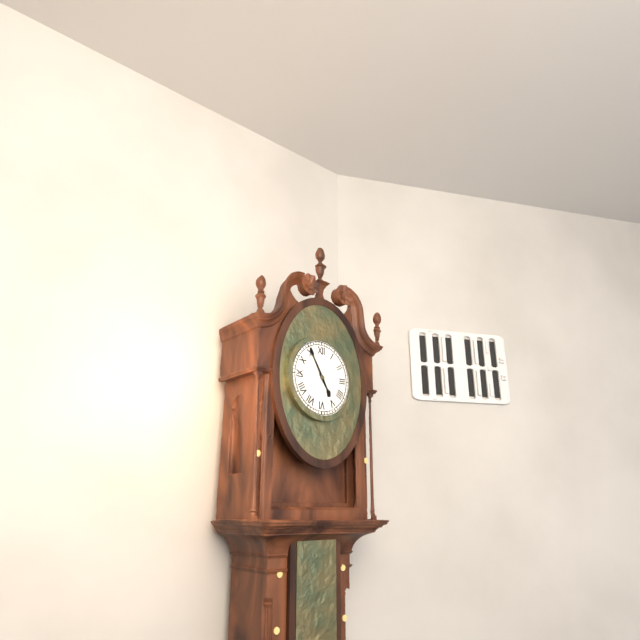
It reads {"hour": 4, "minute": 55}
